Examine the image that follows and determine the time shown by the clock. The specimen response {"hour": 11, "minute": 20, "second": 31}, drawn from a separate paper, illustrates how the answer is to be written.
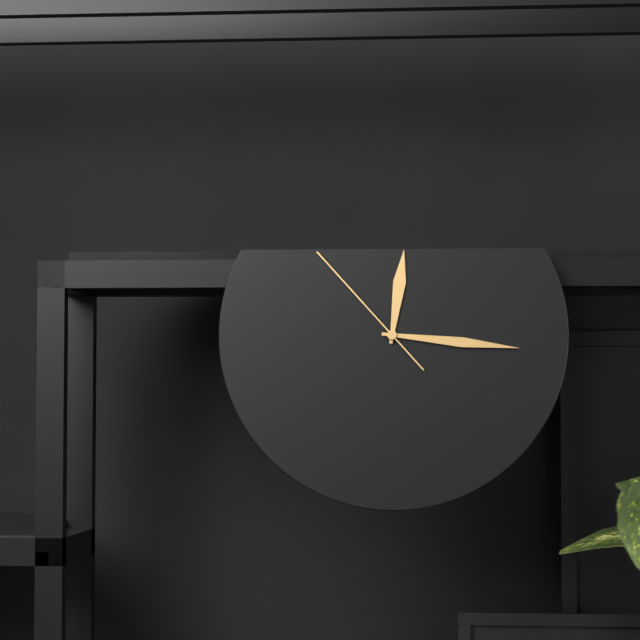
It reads {"hour": 12, "minute": 16, "second": 53}
